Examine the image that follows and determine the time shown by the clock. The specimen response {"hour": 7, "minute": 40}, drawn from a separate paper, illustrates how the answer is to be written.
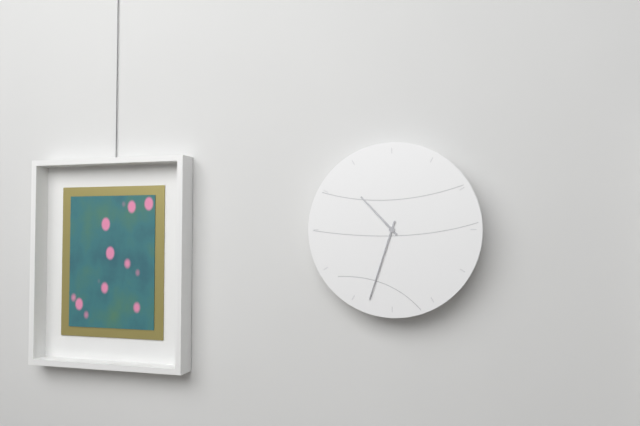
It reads {"hour": 10, "minute": 33}
